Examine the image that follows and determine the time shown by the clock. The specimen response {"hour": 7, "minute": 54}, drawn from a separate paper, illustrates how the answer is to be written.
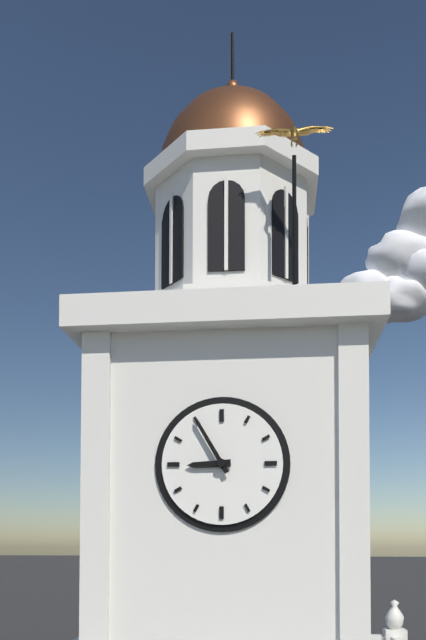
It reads {"hour": 8, "minute": 55}
